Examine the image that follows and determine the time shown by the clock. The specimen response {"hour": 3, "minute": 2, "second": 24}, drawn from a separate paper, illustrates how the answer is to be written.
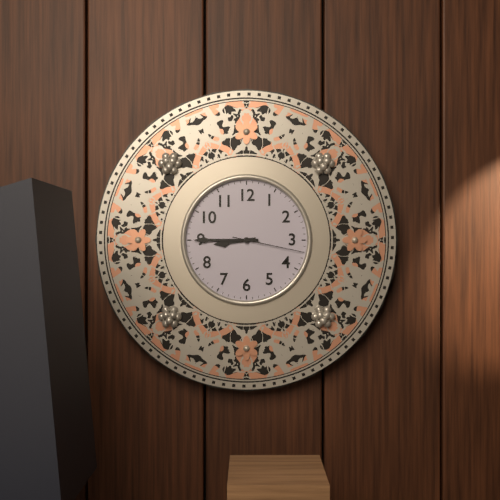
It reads {"hour": 8, "minute": 45, "second": 17}
